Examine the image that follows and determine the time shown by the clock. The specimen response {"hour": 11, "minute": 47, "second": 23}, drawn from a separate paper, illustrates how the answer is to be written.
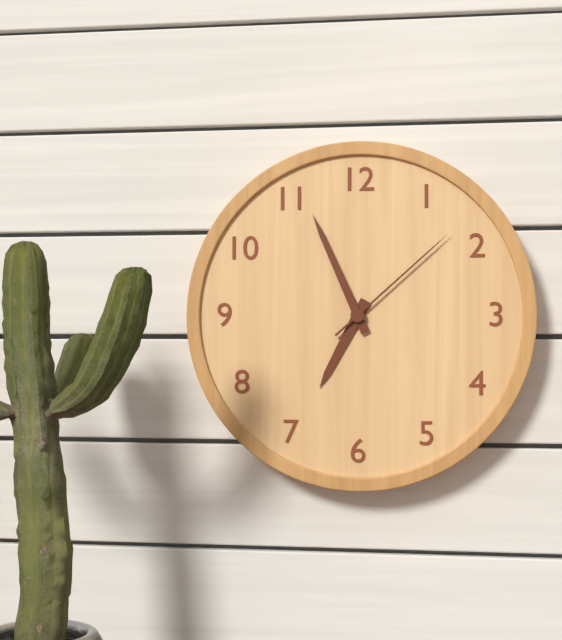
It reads {"hour": 6, "minute": 56, "second": 8}
